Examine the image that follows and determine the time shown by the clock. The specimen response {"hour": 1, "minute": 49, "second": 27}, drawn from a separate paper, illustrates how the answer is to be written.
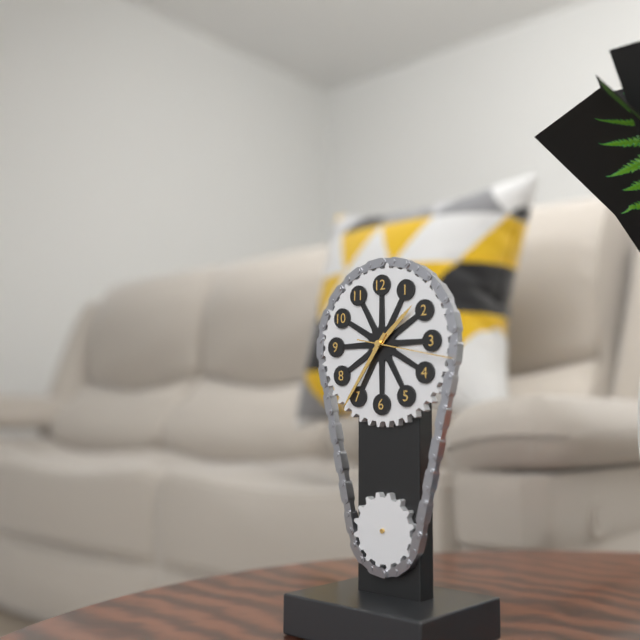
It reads {"hour": 1, "minute": 36, "second": 17}
